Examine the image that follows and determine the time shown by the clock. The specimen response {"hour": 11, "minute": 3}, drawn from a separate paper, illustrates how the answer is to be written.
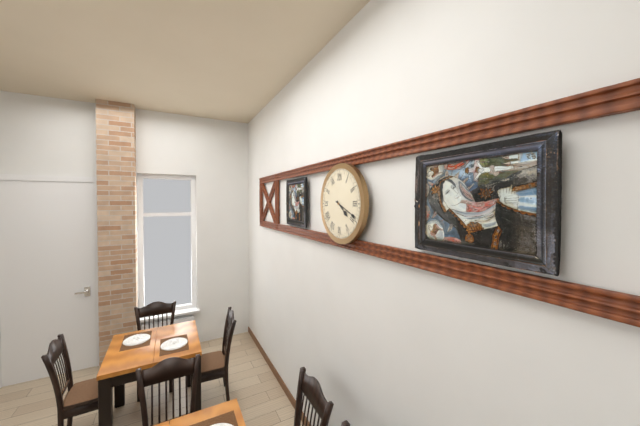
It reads {"hour": 4, "minute": 19}
